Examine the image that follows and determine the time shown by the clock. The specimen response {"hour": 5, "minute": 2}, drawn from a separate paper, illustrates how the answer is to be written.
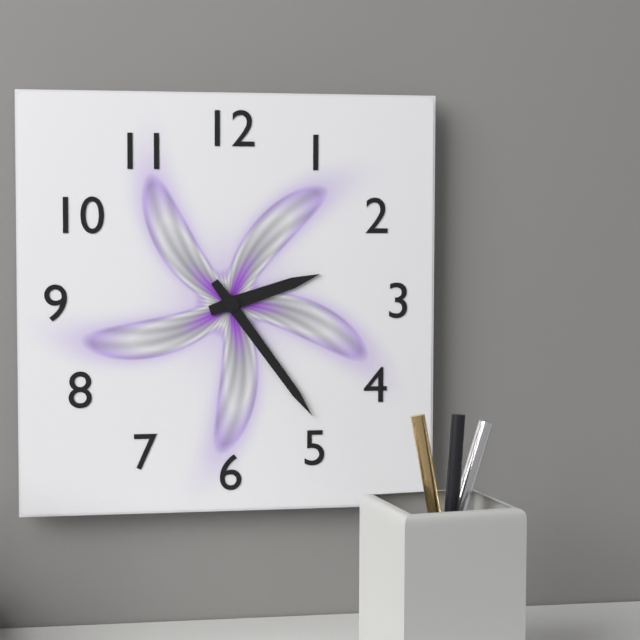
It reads {"hour": 2, "minute": 24}
